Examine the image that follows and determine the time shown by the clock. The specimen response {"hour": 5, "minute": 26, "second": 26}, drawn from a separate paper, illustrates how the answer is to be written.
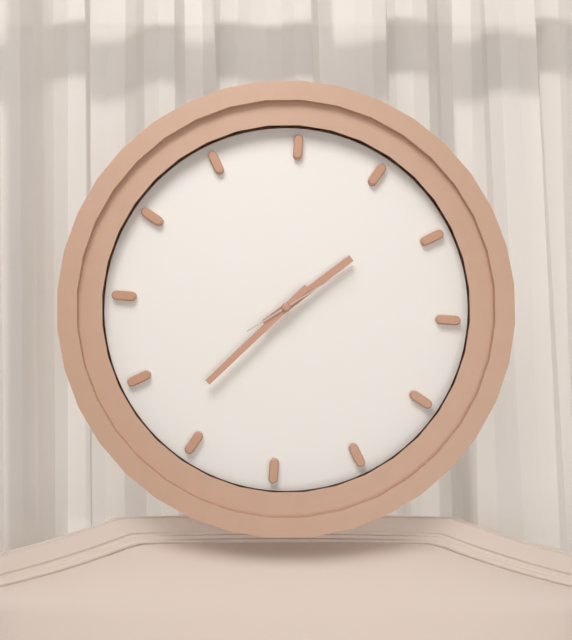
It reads {"hour": 1, "minute": 37, "second": 9}
